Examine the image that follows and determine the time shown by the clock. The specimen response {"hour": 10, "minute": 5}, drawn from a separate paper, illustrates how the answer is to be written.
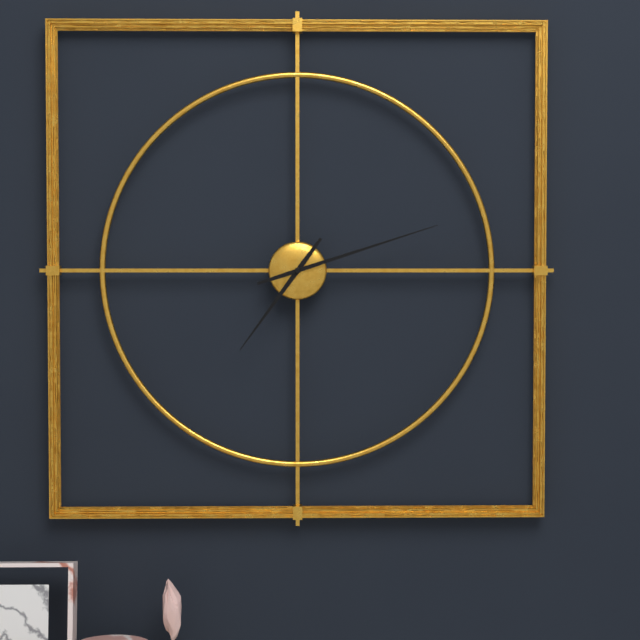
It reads {"hour": 7, "minute": 12}
